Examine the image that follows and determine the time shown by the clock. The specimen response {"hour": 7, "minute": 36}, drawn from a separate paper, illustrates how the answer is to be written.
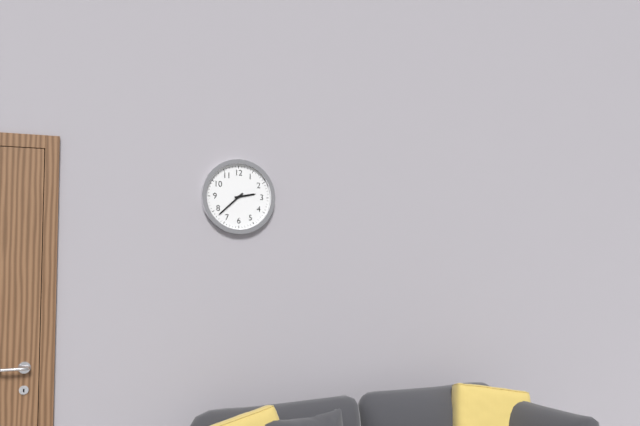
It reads {"hour": 2, "minute": 38}
